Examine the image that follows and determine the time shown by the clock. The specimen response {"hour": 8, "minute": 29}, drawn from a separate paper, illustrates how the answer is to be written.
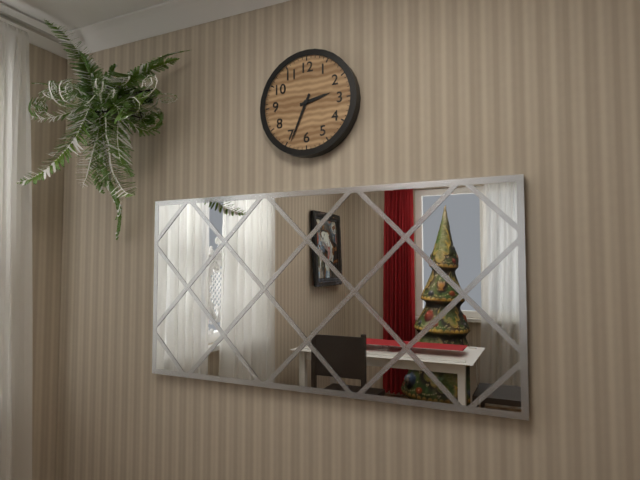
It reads {"hour": 2, "minute": 34}
